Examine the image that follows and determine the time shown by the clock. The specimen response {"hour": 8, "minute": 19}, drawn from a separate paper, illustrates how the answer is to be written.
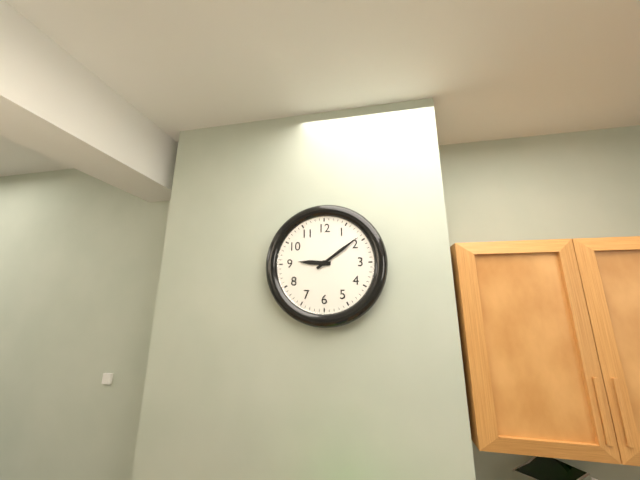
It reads {"hour": 9, "minute": 9}
